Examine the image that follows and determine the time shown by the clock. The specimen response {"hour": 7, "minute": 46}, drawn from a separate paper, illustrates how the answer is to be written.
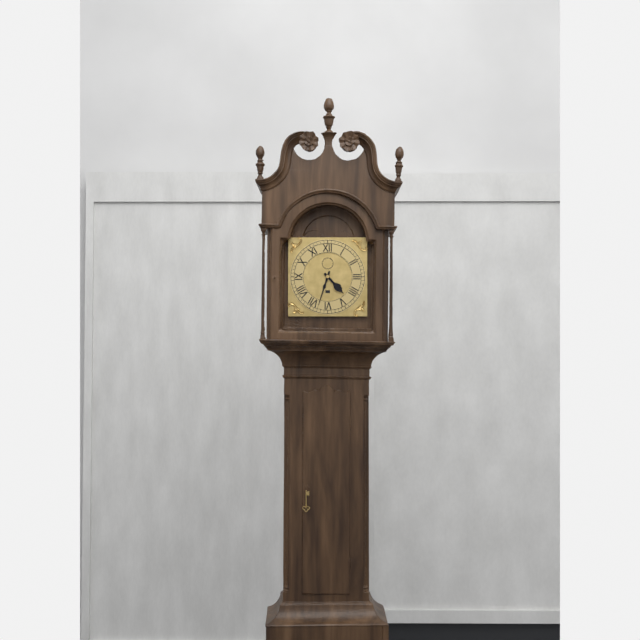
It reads {"hour": 4, "minute": 33}
